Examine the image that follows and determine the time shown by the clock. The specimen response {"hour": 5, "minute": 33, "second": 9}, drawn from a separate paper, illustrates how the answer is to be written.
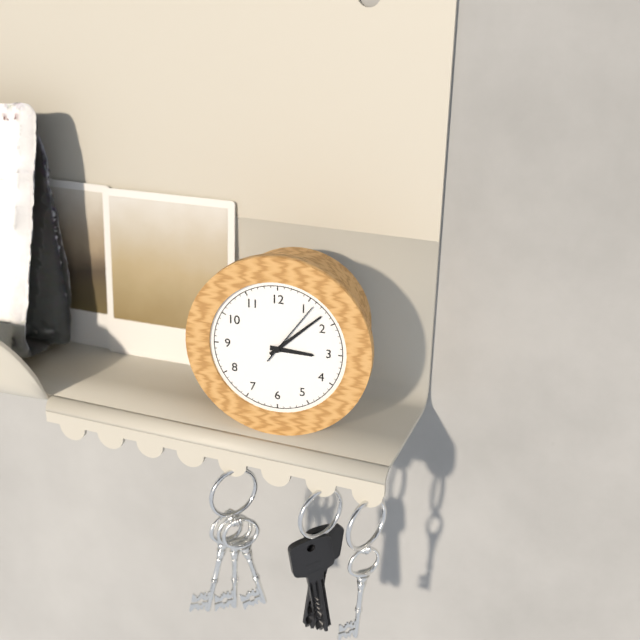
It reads {"hour": 3, "minute": 8, "second": 6}
